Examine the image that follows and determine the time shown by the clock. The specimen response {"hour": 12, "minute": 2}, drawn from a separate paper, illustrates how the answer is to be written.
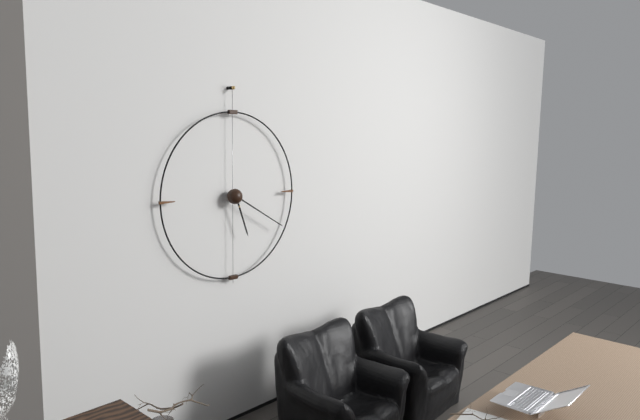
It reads {"hour": 5, "minute": 20}
